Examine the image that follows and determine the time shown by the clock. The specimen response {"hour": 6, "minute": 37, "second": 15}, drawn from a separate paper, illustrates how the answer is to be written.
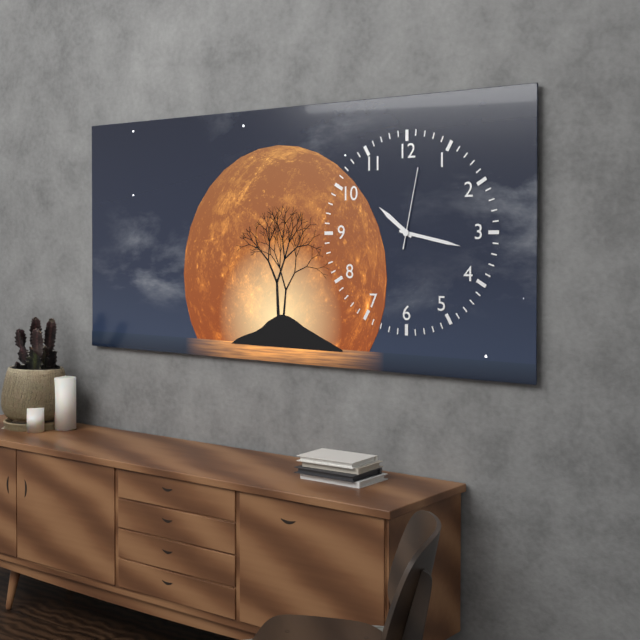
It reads {"hour": 10, "minute": 17, "second": 2}
